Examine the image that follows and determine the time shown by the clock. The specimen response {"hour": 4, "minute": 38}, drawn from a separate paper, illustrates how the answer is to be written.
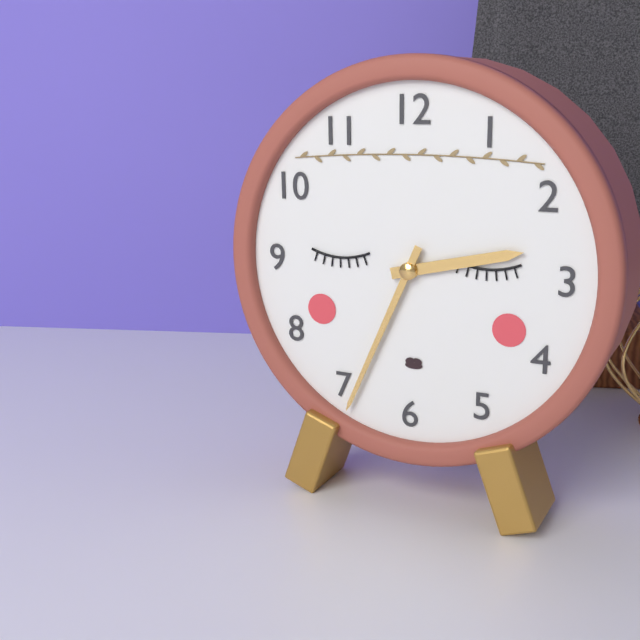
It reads {"hour": 2, "minute": 34}
